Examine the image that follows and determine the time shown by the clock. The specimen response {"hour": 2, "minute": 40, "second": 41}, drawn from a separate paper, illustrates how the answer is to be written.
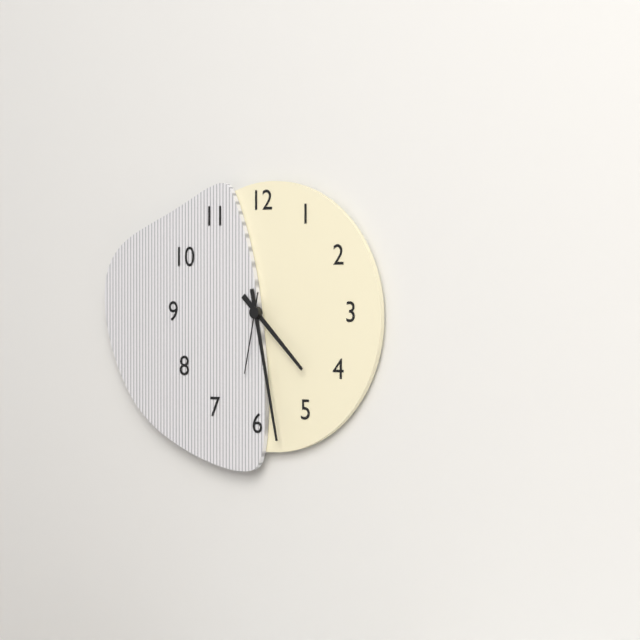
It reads {"hour": 4, "minute": 28, "second": 32}
